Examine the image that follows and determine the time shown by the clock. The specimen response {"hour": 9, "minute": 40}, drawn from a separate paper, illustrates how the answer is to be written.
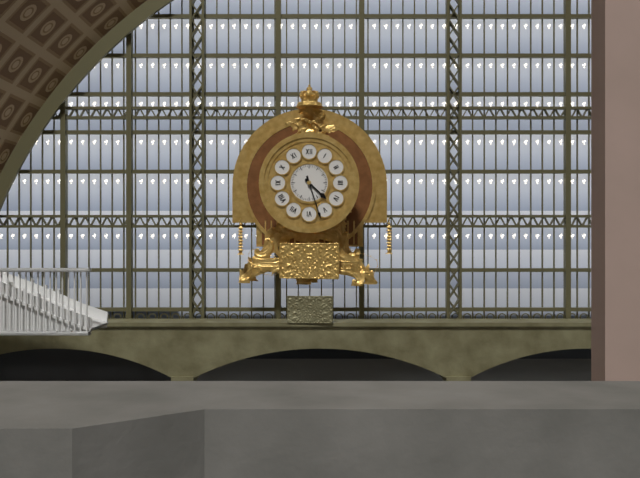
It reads {"hour": 4, "minute": 27}
